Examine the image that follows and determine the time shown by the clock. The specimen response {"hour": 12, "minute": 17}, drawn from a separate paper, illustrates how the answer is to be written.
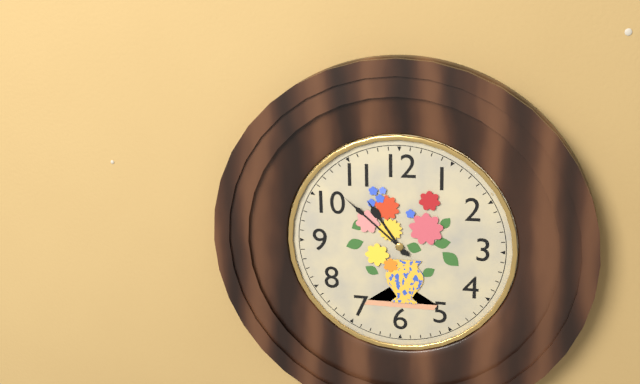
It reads {"hour": 10, "minute": 52}
